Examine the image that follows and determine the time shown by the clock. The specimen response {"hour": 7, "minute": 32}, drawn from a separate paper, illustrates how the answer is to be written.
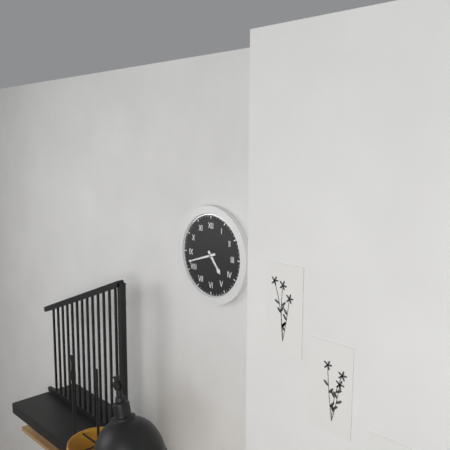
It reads {"hour": 4, "minute": 42}
